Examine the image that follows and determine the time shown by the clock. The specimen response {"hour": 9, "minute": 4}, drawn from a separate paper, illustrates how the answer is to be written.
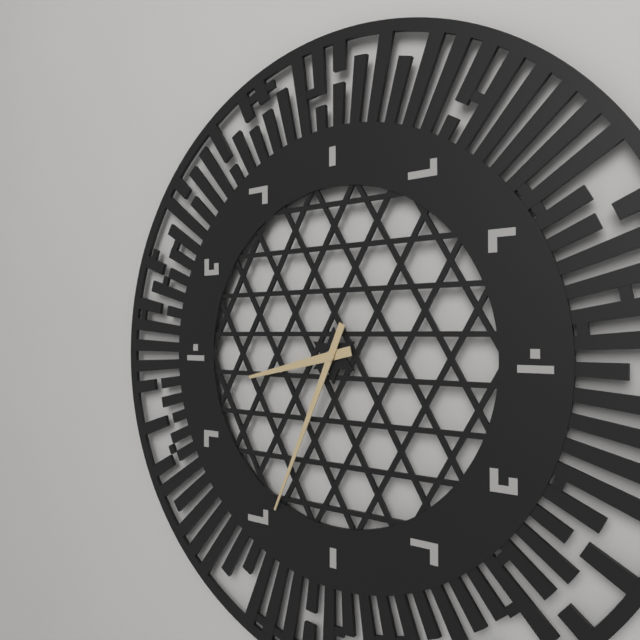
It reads {"hour": 8, "minute": 34}
